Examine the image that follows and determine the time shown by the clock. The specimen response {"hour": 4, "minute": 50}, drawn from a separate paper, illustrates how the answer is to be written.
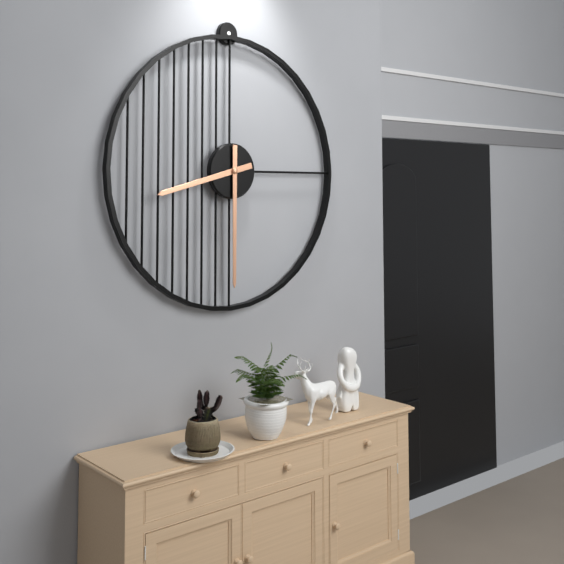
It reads {"hour": 8, "minute": 30}
